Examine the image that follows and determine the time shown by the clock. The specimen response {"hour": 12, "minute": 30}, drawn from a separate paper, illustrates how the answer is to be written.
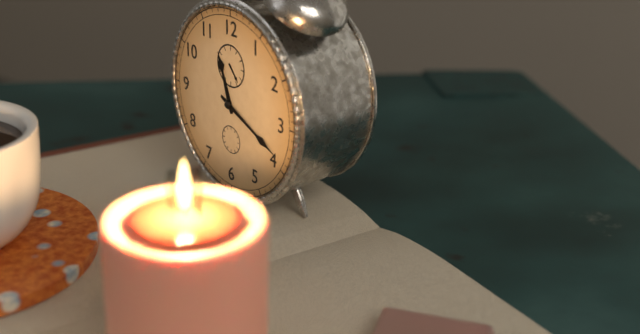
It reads {"hour": 11, "minute": 19}
